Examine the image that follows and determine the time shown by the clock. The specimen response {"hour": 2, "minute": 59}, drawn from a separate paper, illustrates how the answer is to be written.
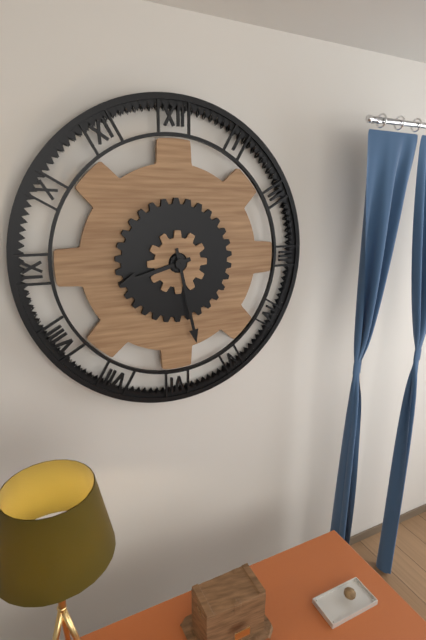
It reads {"hour": 8, "minute": 28}
